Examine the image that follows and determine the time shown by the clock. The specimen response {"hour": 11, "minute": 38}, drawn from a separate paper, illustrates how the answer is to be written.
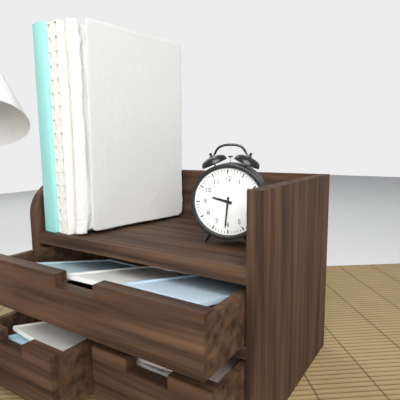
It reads {"hour": 9, "minute": 31}
